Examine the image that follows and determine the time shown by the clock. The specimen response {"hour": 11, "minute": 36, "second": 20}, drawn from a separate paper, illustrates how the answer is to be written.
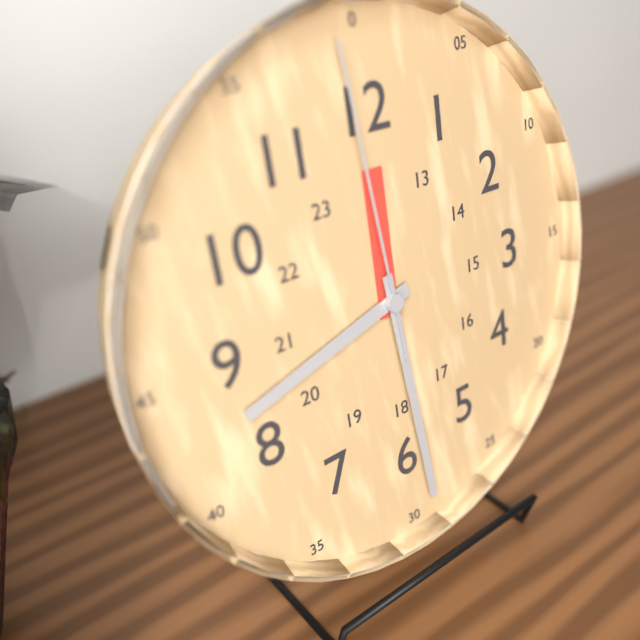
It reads {"hour": 8, "minute": 29, "second": 59}
